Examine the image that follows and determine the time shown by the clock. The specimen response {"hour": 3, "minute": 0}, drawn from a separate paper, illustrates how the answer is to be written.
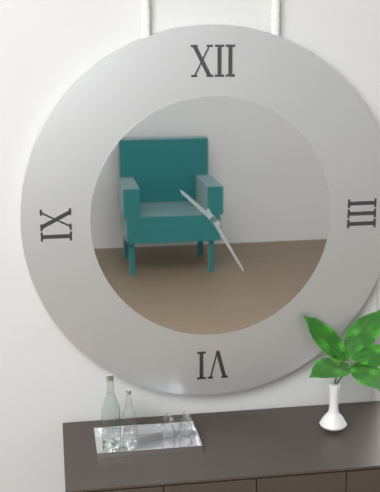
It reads {"hour": 10, "minute": 25}
